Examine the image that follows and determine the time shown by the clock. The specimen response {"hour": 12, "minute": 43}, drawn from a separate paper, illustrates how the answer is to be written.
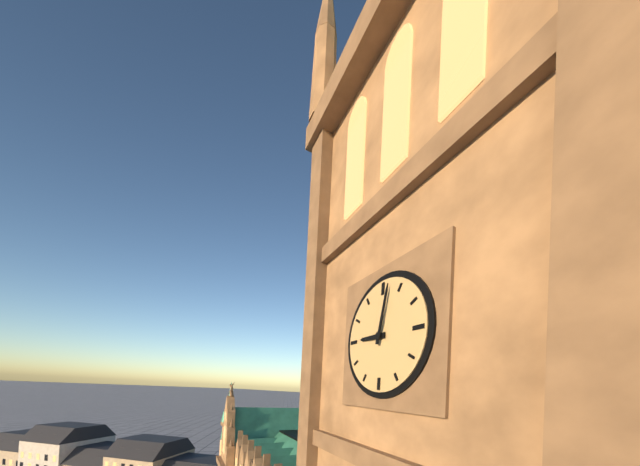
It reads {"hour": 9, "minute": 2}
